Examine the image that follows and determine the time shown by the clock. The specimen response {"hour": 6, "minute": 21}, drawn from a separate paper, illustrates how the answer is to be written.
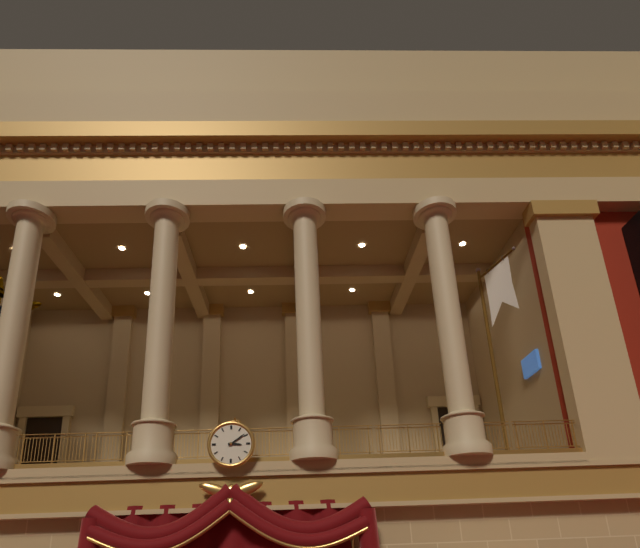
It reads {"hour": 3, "minute": 9}
